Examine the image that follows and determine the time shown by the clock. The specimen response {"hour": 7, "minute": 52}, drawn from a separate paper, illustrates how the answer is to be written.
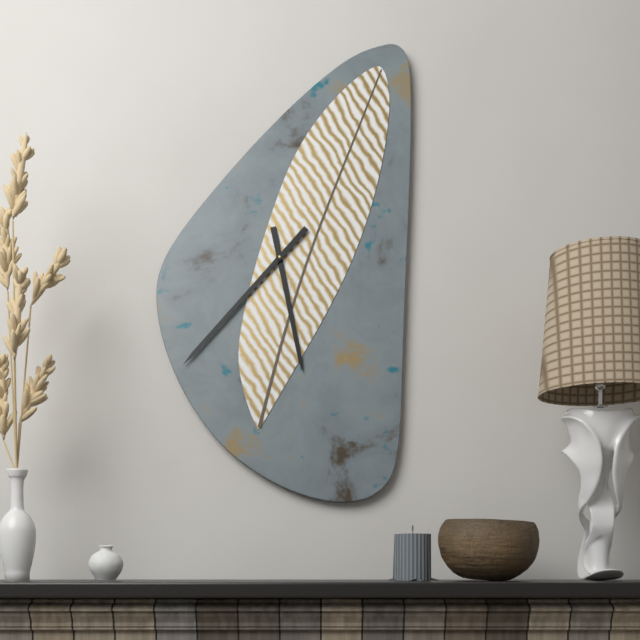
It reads {"hour": 5, "minute": 37}
